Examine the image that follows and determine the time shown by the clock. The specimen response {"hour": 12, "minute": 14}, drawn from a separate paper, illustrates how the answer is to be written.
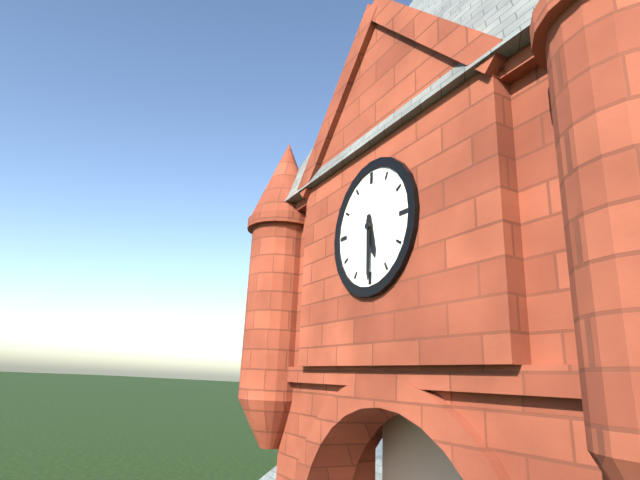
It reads {"hour": 5, "minute": 30}
